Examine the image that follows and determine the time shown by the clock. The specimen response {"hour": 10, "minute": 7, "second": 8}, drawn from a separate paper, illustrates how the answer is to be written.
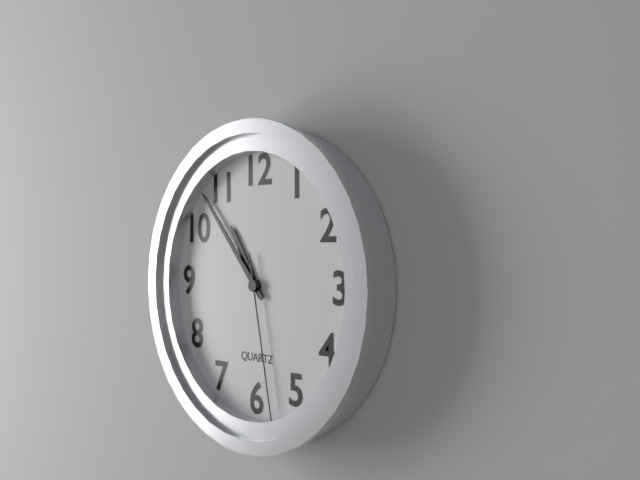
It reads {"hour": 10, "minute": 53, "second": 28}
